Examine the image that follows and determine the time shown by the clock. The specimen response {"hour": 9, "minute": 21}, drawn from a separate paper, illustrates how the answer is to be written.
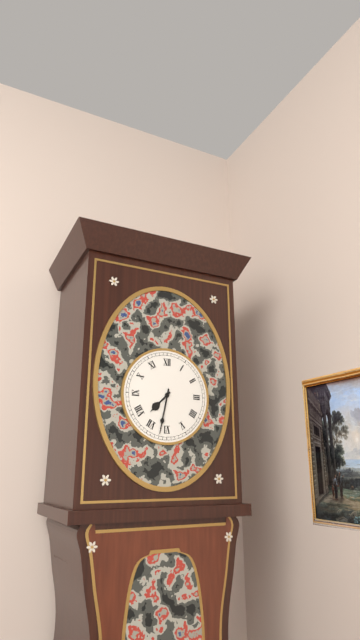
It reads {"hour": 7, "minute": 32}
